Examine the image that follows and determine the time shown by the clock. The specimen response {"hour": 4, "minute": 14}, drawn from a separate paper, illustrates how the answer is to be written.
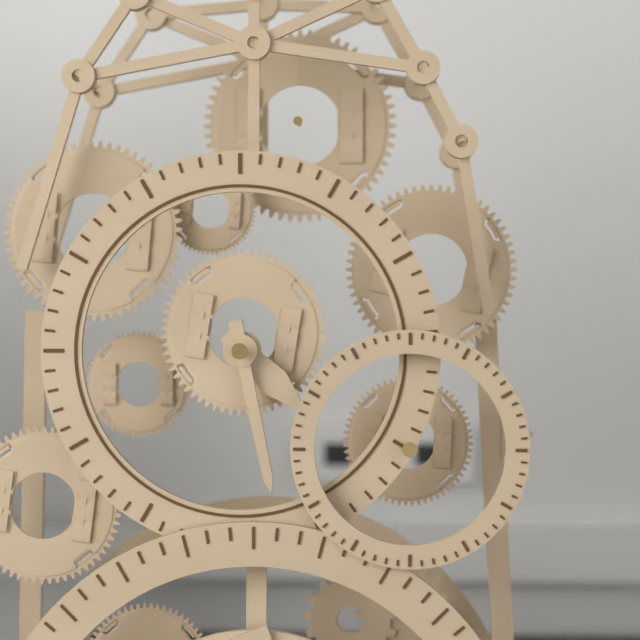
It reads {"hour": 4, "minute": 28}
